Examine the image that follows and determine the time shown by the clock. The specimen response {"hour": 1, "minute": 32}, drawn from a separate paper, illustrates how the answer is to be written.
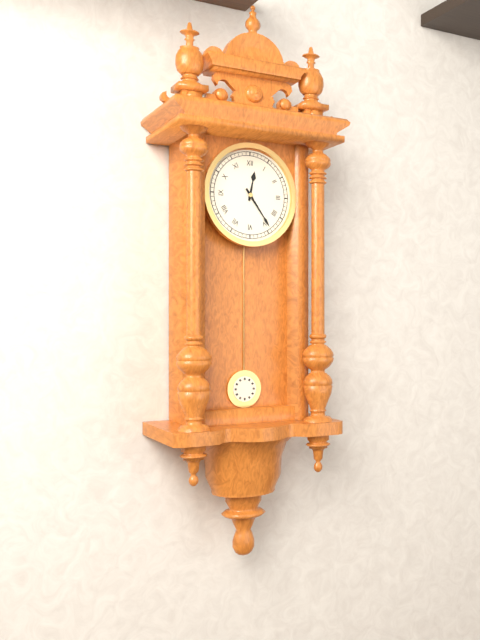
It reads {"hour": 12, "minute": 24}
